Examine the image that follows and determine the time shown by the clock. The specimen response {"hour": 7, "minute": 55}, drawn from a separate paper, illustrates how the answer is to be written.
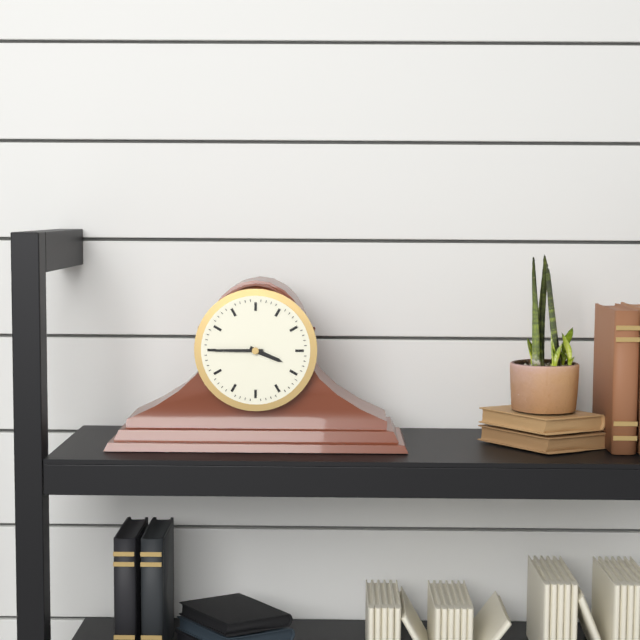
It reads {"hour": 3, "minute": 45}
